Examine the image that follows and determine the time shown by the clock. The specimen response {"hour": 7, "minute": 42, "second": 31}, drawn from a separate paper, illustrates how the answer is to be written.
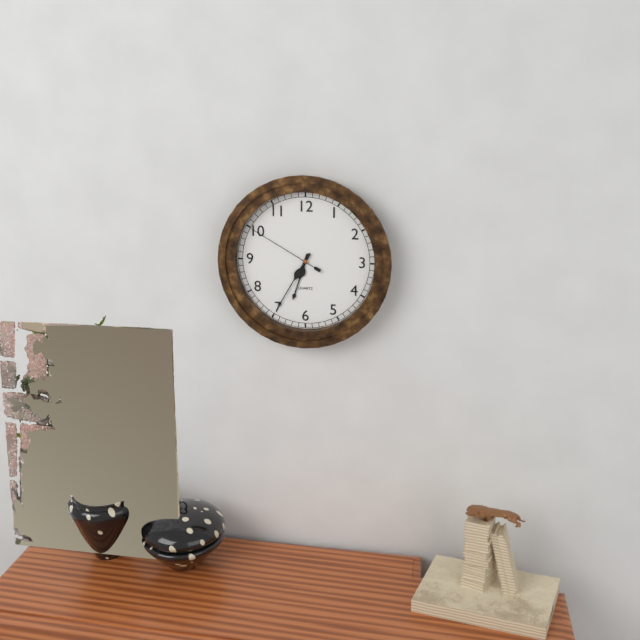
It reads {"hour": 6, "minute": 35, "second": 50}
